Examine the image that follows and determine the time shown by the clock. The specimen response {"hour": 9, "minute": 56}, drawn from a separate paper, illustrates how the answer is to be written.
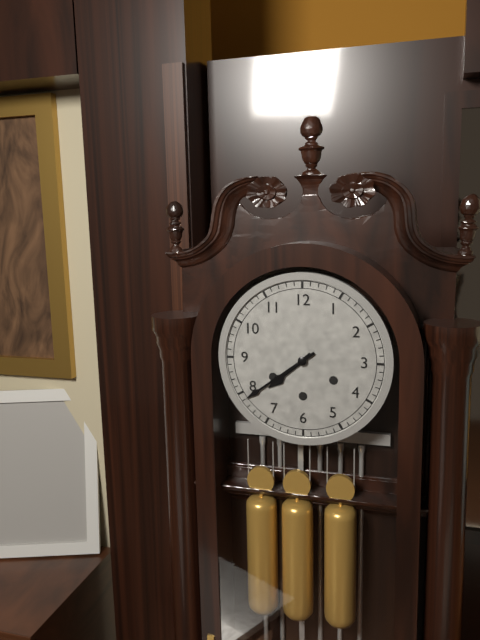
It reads {"hour": 7, "minute": 39}
